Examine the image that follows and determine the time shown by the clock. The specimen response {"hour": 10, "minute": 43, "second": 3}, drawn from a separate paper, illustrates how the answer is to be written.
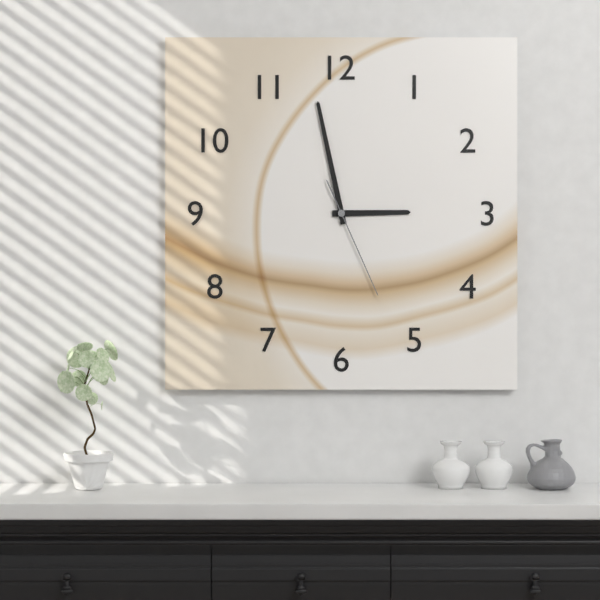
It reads {"hour": 2, "minute": 58, "second": 26}
